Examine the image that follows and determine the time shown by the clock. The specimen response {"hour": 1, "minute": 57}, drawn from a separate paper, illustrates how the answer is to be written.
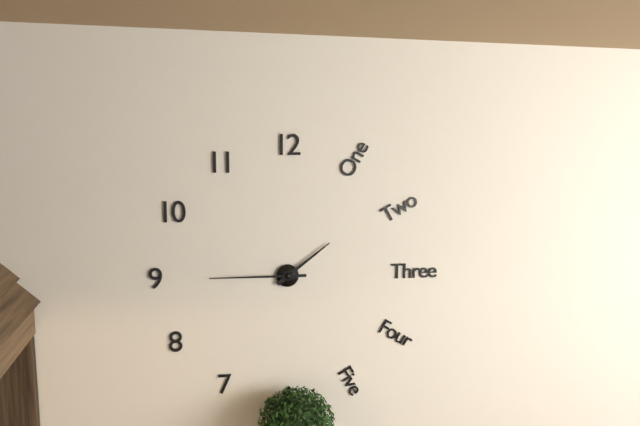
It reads {"hour": 1, "minute": 45}
